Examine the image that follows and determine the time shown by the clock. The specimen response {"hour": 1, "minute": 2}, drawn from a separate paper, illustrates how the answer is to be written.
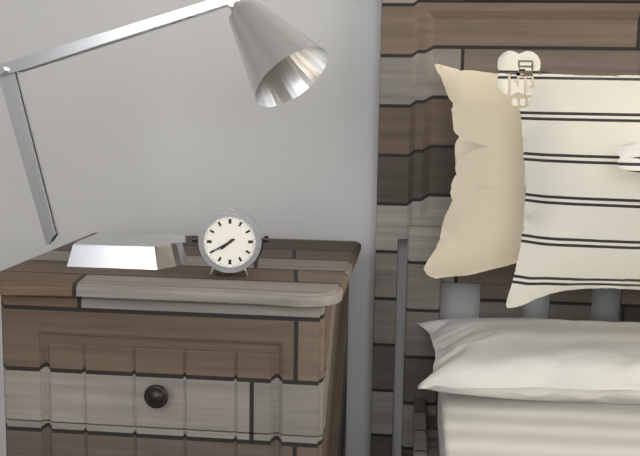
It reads {"hour": 7, "minute": 40}
